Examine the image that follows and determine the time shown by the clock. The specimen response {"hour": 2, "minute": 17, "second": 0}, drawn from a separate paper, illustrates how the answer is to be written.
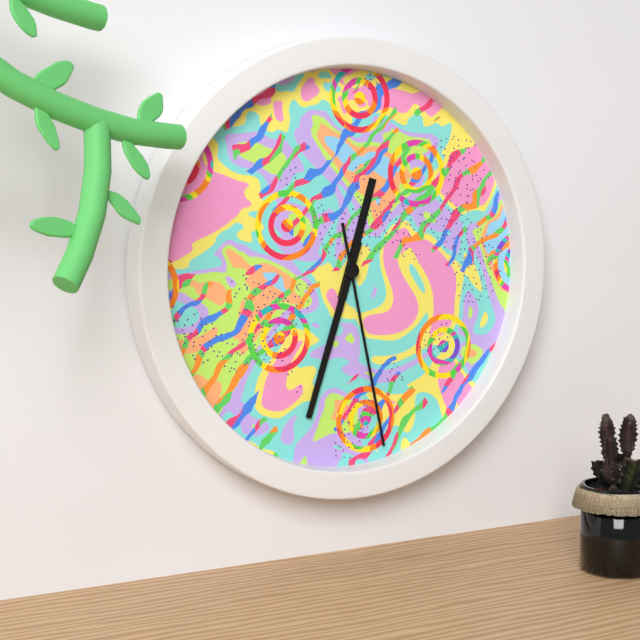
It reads {"hour": 12, "minute": 33, "second": 28}
